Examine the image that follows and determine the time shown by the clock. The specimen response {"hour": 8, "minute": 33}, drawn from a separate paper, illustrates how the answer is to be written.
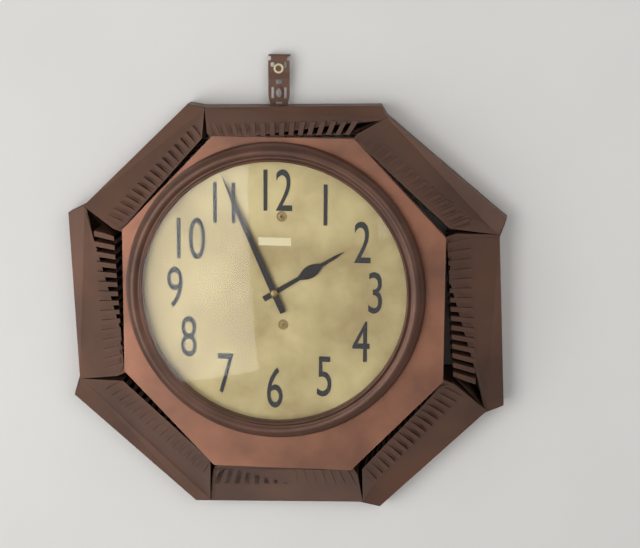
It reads {"hour": 1, "minute": 56}
